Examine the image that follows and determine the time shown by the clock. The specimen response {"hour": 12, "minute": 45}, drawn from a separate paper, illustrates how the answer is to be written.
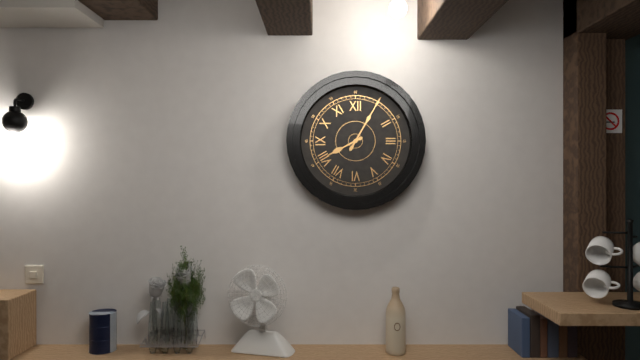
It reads {"hour": 8, "minute": 5}
